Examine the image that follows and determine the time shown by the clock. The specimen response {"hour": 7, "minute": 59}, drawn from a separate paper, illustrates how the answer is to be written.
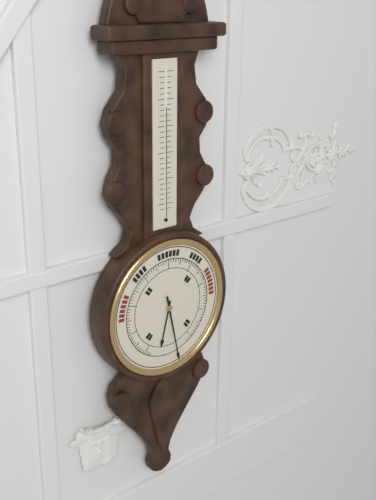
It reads {"hour": 6, "minute": 28}
